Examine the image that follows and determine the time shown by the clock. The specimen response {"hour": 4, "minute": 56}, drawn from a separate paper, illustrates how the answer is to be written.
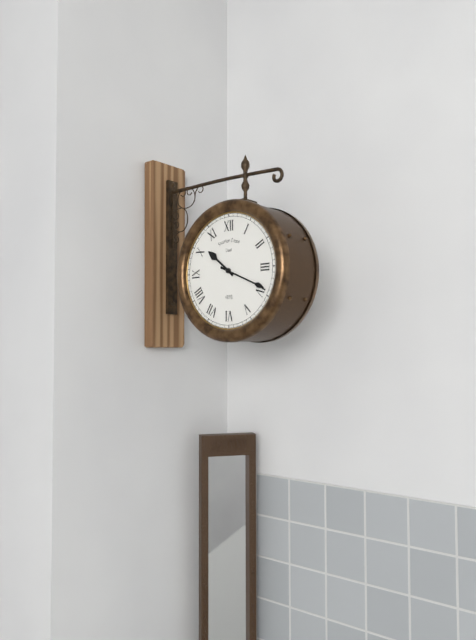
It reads {"hour": 10, "minute": 19}
